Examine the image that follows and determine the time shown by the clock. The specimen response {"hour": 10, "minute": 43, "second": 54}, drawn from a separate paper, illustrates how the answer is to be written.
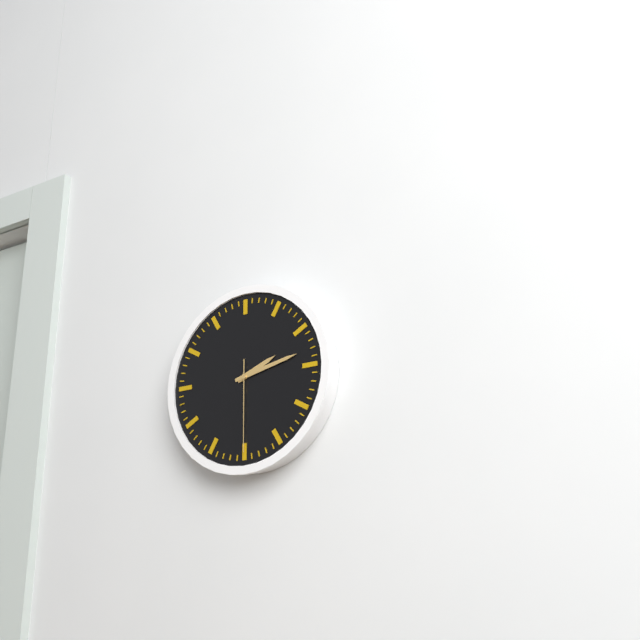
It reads {"hour": 2, "minute": 13, "second": 30}
